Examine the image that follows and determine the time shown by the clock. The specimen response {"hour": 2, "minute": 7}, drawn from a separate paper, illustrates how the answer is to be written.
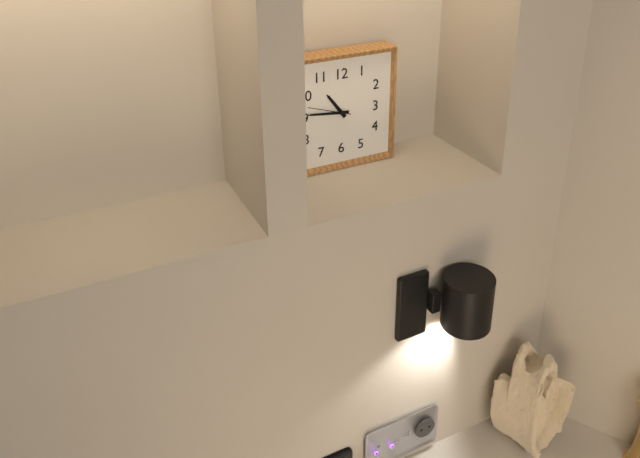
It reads {"hour": 10, "minute": 46}
